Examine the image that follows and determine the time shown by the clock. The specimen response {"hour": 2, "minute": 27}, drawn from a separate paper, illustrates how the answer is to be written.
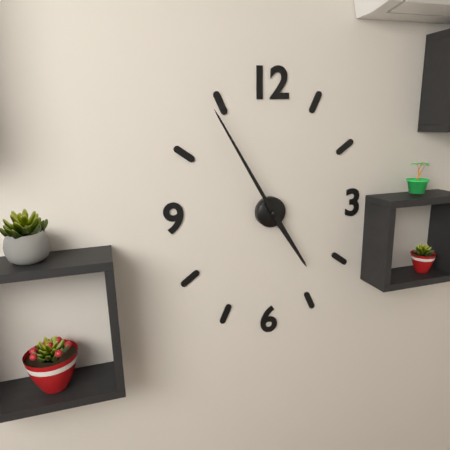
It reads {"hour": 4, "minute": 55}
